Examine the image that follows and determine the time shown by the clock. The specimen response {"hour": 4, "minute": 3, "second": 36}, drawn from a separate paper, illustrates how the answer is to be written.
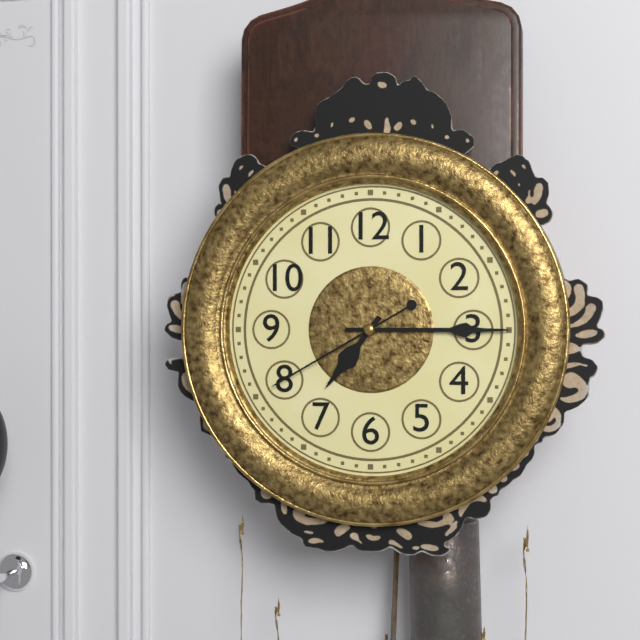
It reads {"hour": 7, "minute": 15, "second": 40}
